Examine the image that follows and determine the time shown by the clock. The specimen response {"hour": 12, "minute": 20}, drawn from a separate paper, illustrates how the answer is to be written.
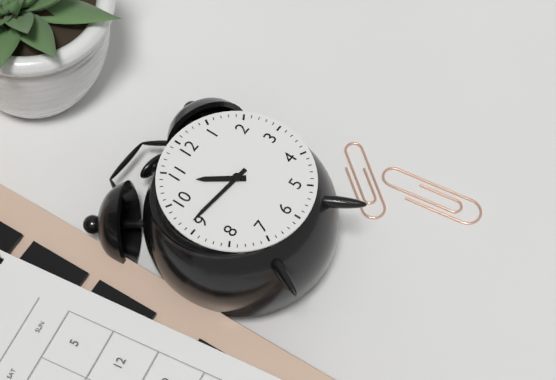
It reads {"hour": 10, "minute": 46}
